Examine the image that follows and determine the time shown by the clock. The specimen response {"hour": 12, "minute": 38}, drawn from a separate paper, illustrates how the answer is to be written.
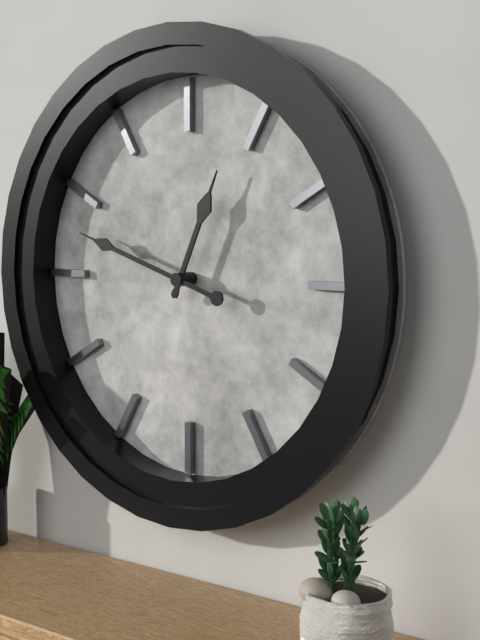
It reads {"hour": 12, "minute": 48}
